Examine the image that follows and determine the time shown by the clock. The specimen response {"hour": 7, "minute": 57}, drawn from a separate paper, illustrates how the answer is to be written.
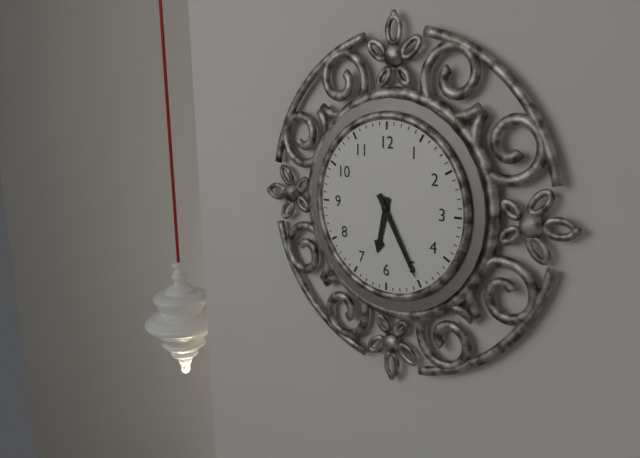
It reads {"hour": 6, "minute": 25}
